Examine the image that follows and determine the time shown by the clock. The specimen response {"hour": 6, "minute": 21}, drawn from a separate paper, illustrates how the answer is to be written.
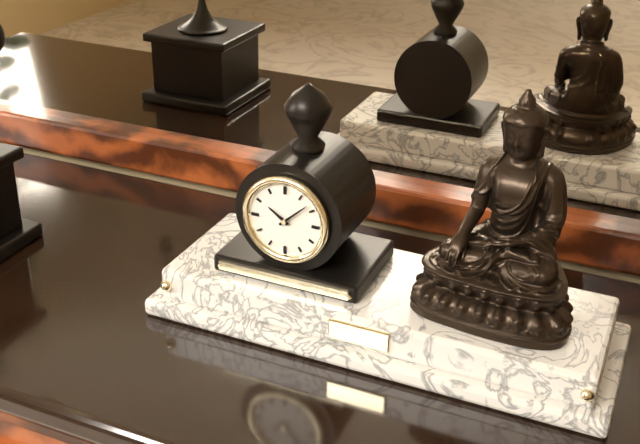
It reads {"hour": 10, "minute": 8}
